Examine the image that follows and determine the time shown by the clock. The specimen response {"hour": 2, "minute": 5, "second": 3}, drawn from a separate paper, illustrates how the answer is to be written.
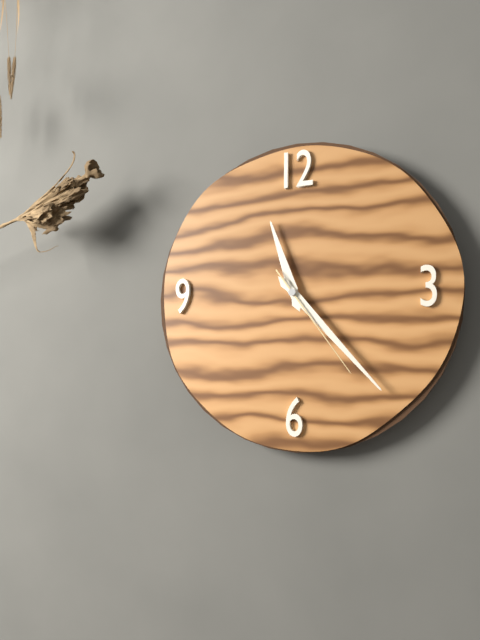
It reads {"hour": 11, "minute": 23, "second": 24}
